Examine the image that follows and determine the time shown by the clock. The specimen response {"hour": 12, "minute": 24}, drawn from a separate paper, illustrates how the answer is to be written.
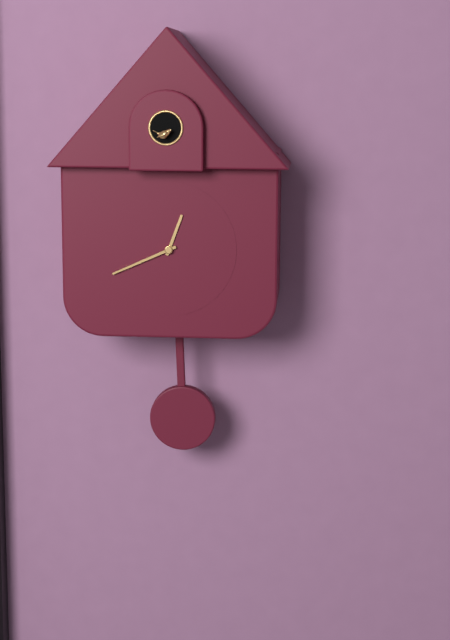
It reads {"hour": 12, "minute": 41}
